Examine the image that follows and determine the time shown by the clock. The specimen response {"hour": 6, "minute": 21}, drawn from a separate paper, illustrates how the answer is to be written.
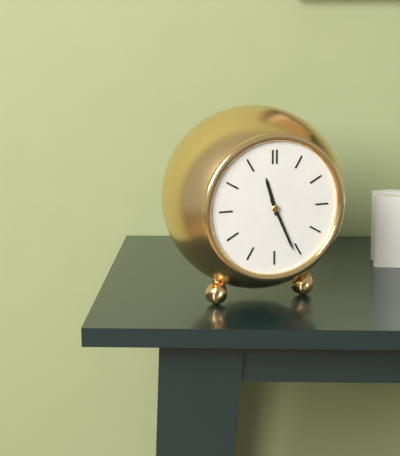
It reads {"hour": 11, "minute": 26}
